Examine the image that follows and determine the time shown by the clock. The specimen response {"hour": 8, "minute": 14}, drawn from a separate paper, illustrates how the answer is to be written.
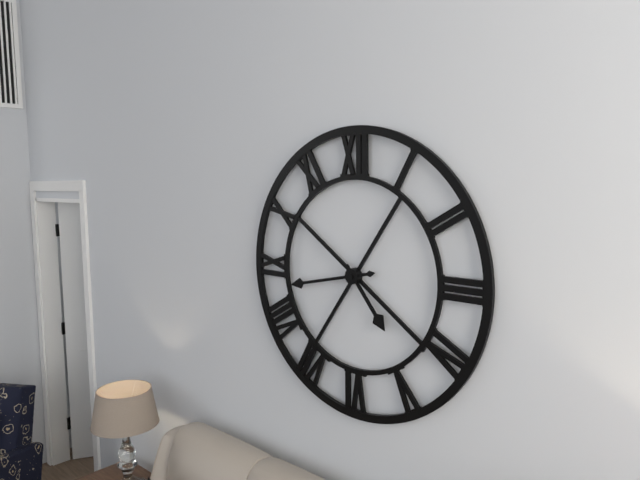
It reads {"hour": 4, "minute": 43}
